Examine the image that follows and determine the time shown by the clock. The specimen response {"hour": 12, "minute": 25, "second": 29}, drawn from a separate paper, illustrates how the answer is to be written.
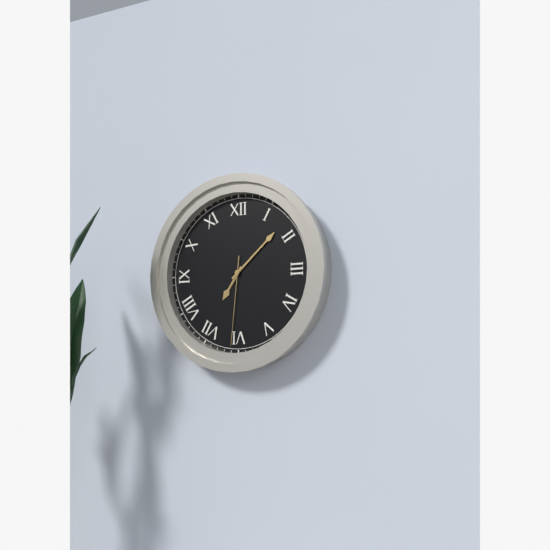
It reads {"hour": 7, "minute": 8, "second": 31}
